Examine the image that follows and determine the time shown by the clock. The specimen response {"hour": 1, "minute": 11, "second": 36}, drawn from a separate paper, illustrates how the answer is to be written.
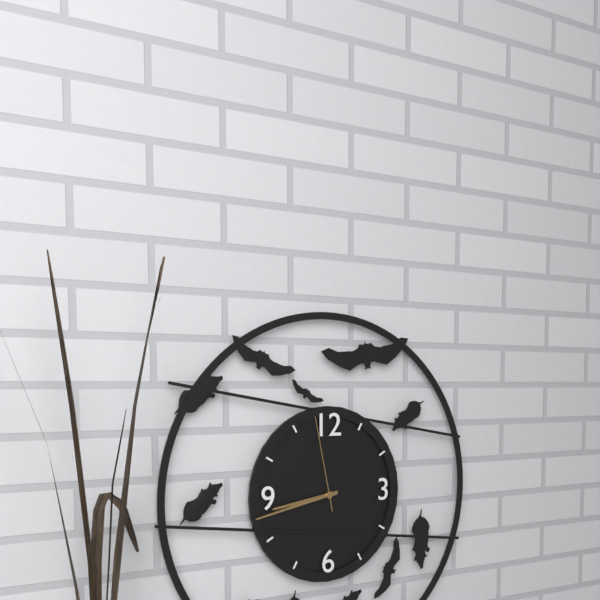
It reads {"hour": 8, "minute": 43, "second": 58}
